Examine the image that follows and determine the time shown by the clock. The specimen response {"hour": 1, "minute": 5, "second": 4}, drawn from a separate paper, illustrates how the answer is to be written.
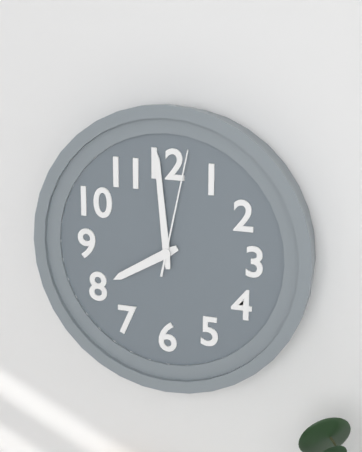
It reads {"hour": 7, "minute": 59, "second": 2}
